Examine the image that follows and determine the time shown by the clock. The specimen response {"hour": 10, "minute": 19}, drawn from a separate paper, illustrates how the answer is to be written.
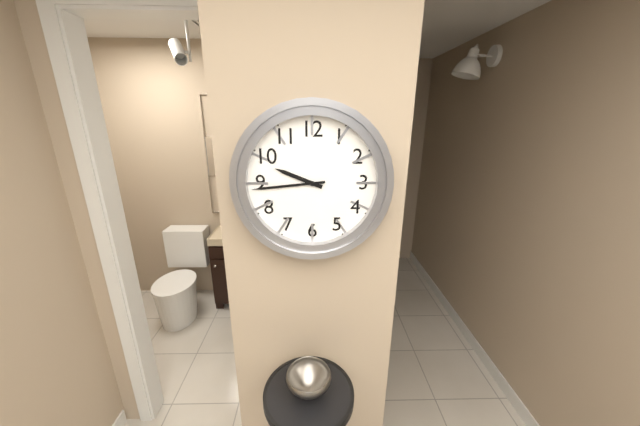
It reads {"hour": 9, "minute": 44}
